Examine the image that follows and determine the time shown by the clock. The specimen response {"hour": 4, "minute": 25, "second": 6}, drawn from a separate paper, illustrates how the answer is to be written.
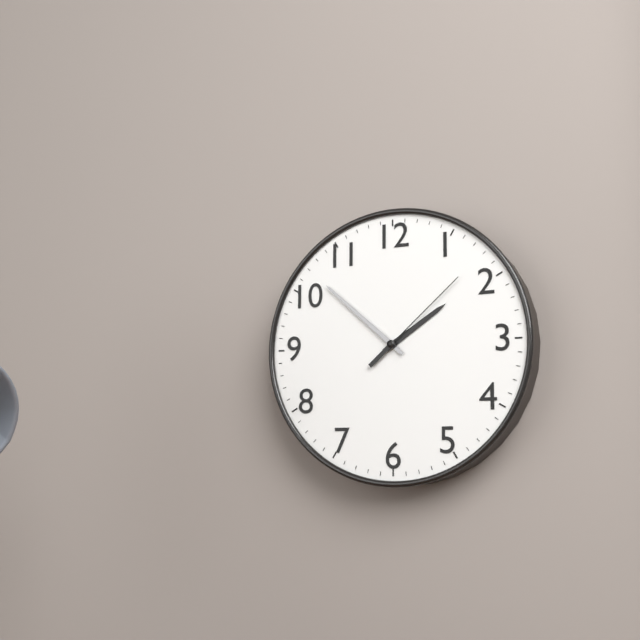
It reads {"hour": 1, "minute": 52, "second": 8}
